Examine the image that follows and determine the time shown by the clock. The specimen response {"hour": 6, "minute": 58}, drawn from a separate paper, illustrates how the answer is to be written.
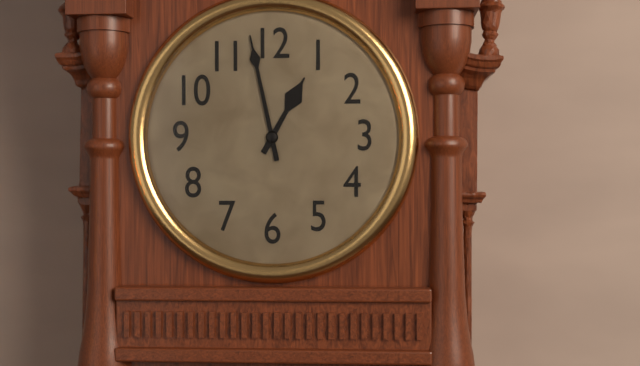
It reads {"hour": 12, "minute": 58}
